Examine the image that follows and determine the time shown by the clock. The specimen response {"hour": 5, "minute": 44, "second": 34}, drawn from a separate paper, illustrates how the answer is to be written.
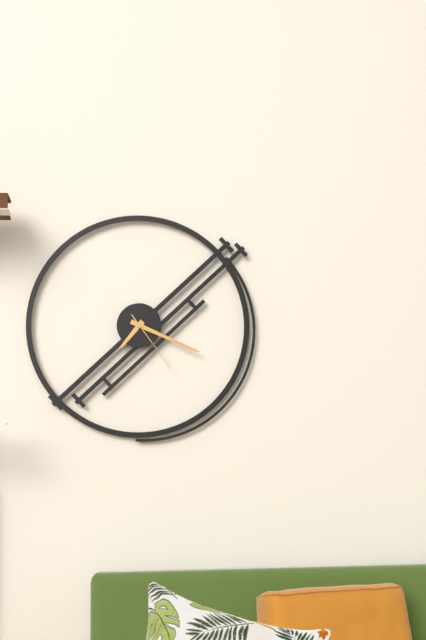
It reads {"hour": 7, "minute": 19, "second": 24}
